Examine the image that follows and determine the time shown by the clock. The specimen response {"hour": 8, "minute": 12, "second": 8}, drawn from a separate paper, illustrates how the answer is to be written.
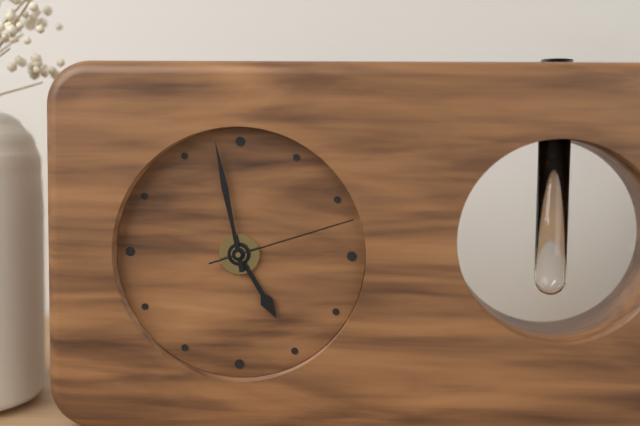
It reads {"hour": 4, "minute": 58, "second": 12}
